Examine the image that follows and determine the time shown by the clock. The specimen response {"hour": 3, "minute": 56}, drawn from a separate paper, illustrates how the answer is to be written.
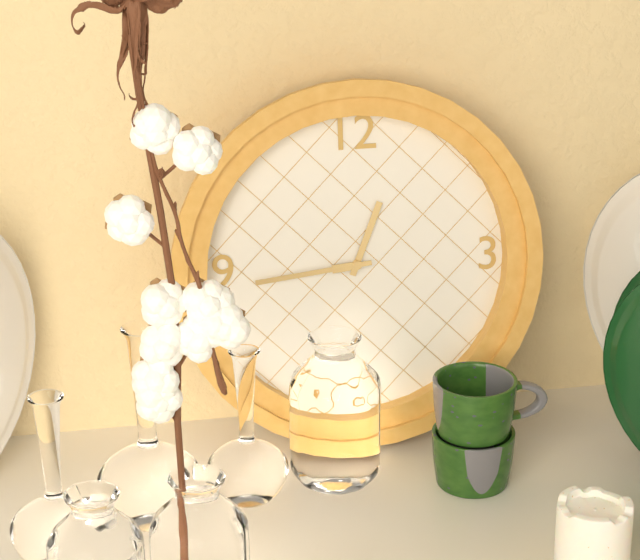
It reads {"hour": 12, "minute": 44}
